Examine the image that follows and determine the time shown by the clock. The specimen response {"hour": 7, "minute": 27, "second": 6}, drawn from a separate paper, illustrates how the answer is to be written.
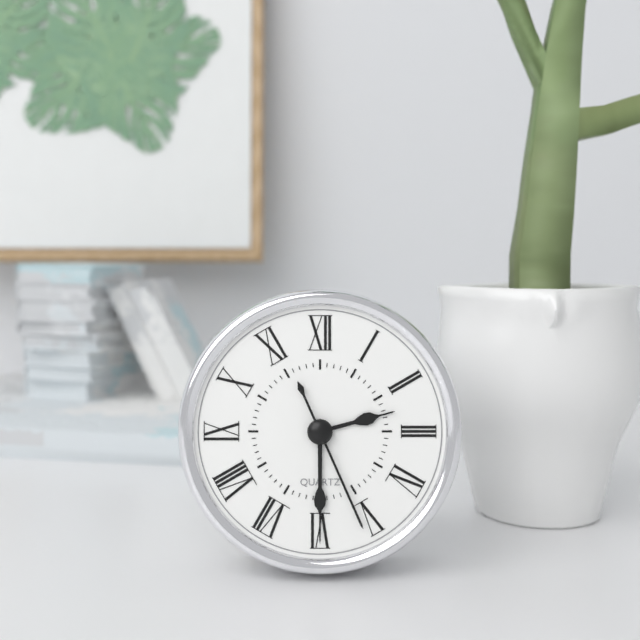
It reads {"hour": 2, "minute": 30, "second": 26}
